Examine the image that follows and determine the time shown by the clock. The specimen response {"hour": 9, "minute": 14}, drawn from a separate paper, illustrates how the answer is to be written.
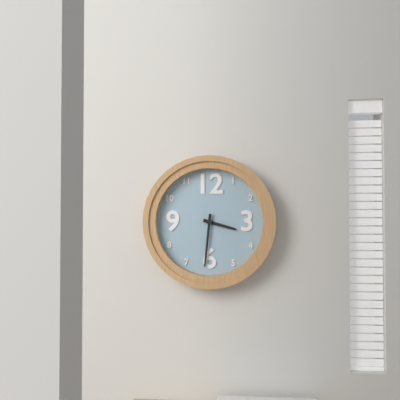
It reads {"hour": 3, "minute": 31}
